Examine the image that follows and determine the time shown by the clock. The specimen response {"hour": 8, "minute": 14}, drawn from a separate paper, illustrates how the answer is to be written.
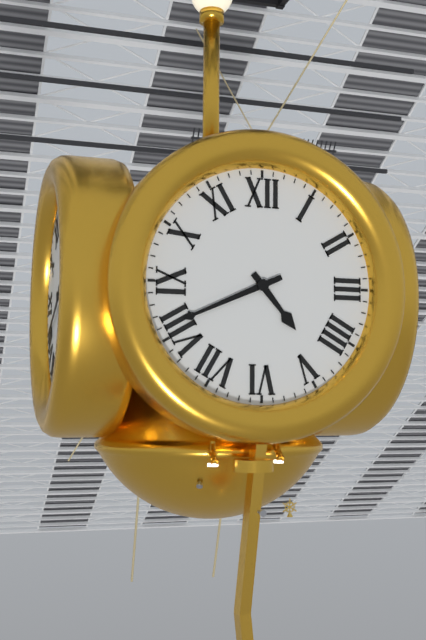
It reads {"hour": 4, "minute": 41}
